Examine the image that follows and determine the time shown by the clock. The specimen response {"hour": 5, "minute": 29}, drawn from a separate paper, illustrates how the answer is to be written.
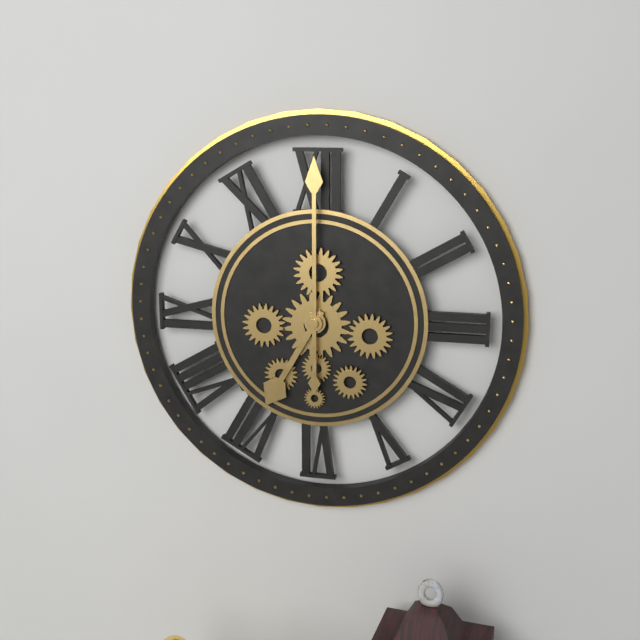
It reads {"hour": 7, "minute": 0}
